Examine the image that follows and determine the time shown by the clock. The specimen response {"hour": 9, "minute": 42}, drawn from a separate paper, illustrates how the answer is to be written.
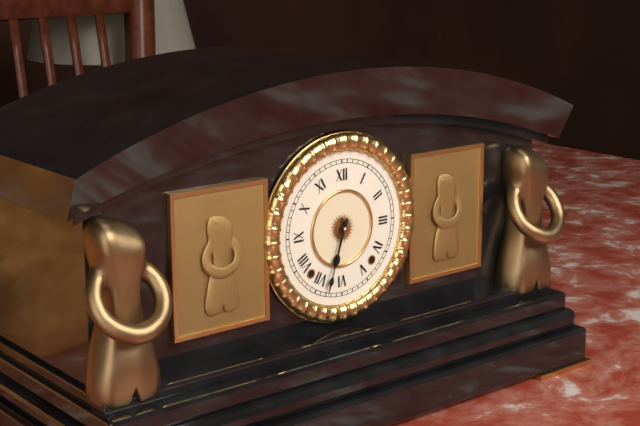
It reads {"hour": 6, "minute": 33}
